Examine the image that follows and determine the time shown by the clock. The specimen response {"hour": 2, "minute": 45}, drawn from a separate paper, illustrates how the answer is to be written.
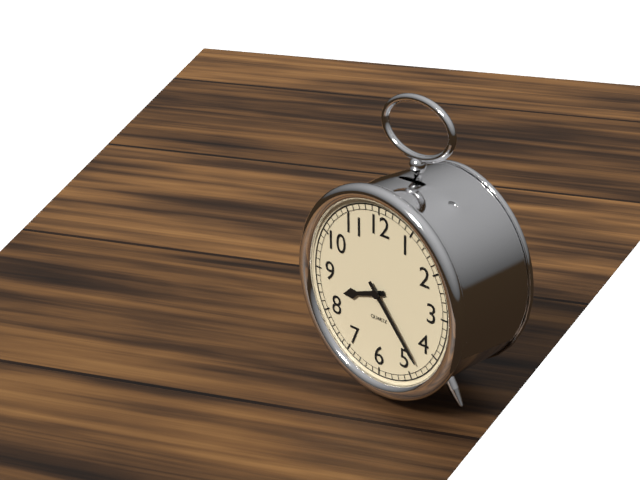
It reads {"hour": 8, "minute": 23}
